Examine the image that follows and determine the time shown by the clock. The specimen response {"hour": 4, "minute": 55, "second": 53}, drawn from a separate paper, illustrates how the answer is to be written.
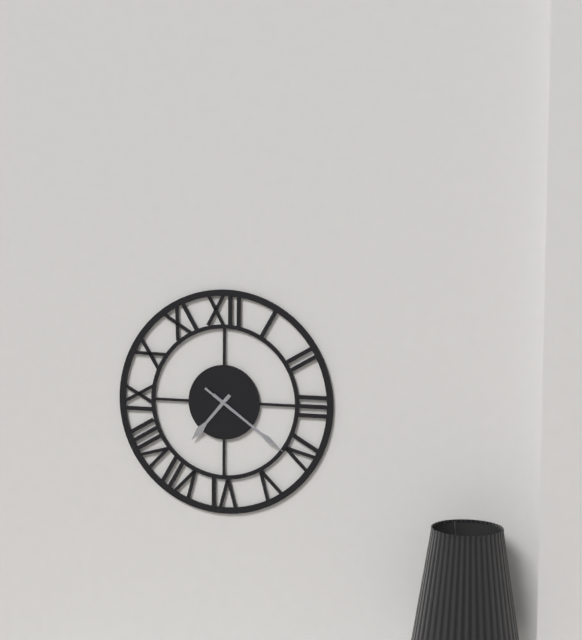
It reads {"hour": 7, "minute": 21, "second": 21}
